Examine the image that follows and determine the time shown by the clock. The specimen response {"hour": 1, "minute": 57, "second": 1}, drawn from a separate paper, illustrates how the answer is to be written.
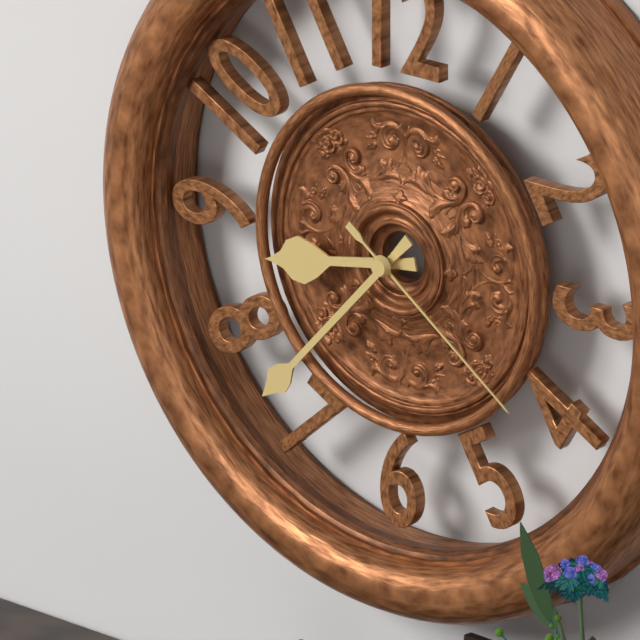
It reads {"hour": 8, "minute": 37, "second": 21}
